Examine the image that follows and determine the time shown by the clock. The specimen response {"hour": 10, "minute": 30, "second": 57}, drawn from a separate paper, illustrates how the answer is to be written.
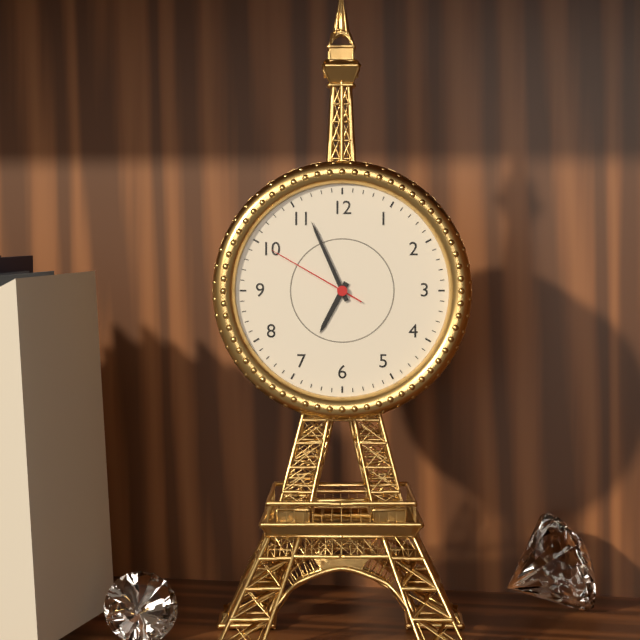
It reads {"hour": 6, "minute": 56, "second": 50}
